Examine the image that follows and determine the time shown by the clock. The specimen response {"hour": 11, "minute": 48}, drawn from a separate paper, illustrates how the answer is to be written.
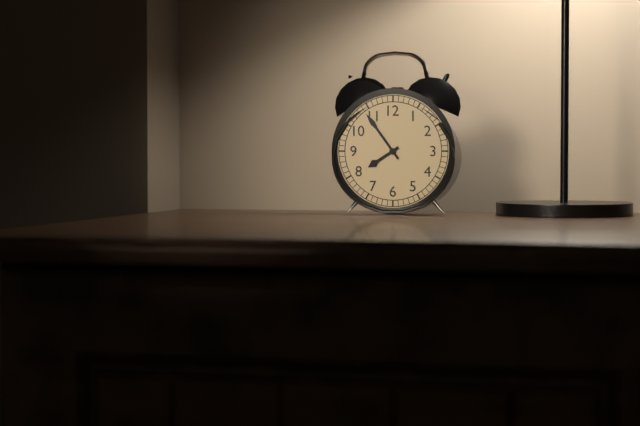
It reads {"hour": 7, "minute": 54}
